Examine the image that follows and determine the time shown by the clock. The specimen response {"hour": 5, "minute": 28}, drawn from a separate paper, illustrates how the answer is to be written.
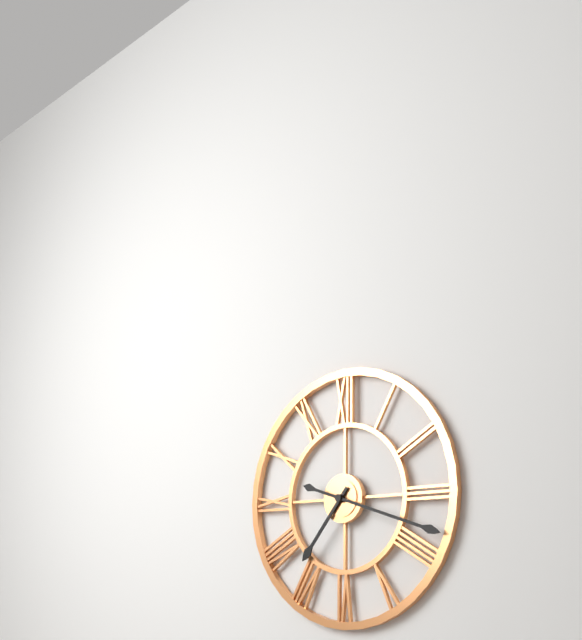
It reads {"hour": 7, "minute": 18}
